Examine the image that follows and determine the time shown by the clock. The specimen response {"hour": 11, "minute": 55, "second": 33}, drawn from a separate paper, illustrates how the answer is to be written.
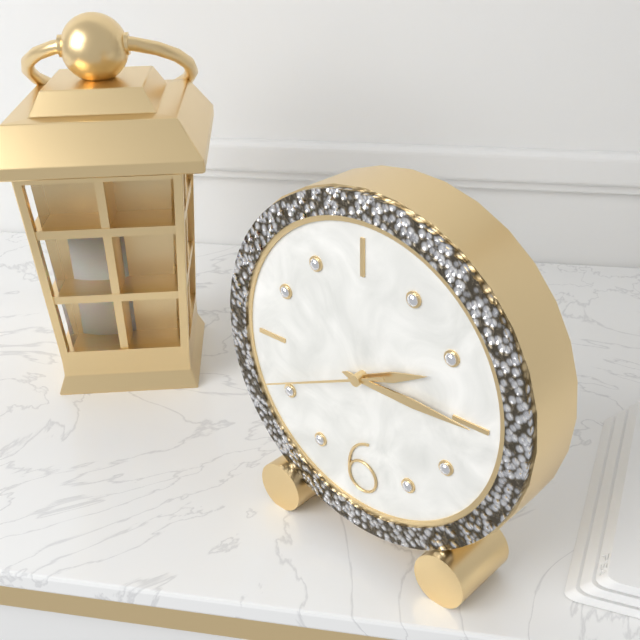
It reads {"hour": 2, "minute": 15, "second": 41}
